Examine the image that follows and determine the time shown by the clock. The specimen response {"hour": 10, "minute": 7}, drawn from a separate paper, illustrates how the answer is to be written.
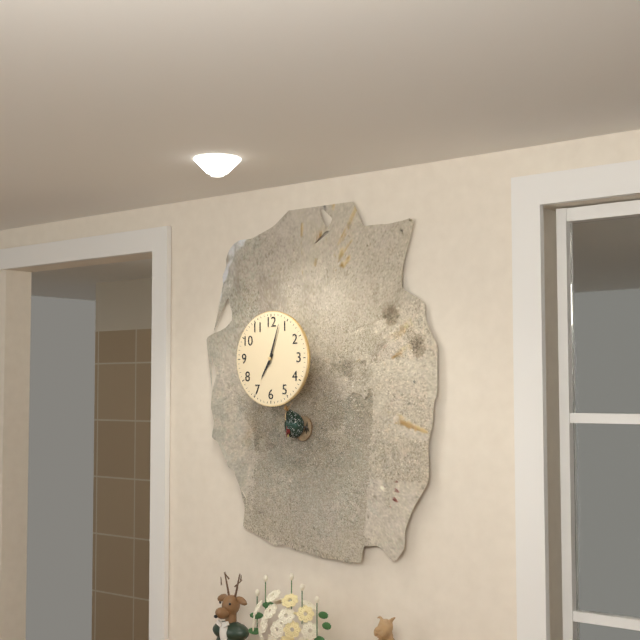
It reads {"hour": 7, "minute": 3}
